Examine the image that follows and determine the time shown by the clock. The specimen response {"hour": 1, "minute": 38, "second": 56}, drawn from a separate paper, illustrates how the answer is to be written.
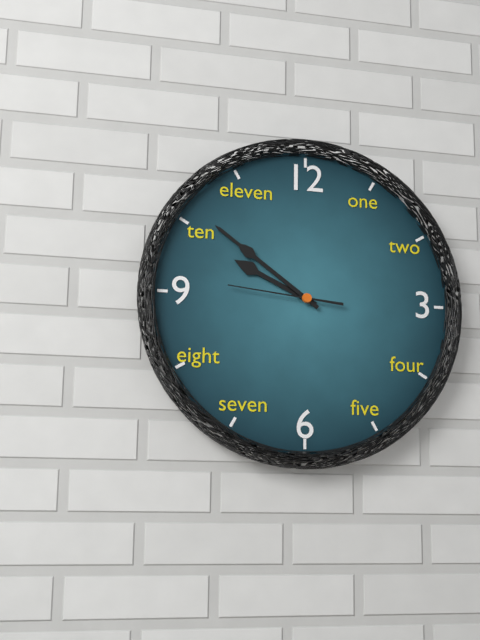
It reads {"hour": 9, "minute": 51, "second": 46}
